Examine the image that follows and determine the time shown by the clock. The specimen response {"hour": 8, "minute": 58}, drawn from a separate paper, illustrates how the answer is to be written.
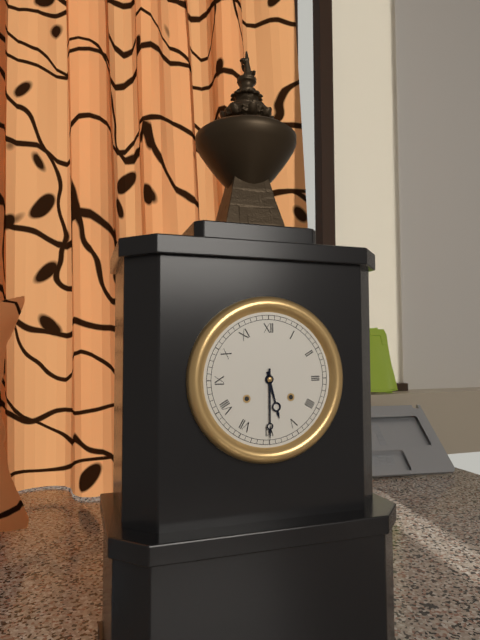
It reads {"hour": 5, "minute": 30}
